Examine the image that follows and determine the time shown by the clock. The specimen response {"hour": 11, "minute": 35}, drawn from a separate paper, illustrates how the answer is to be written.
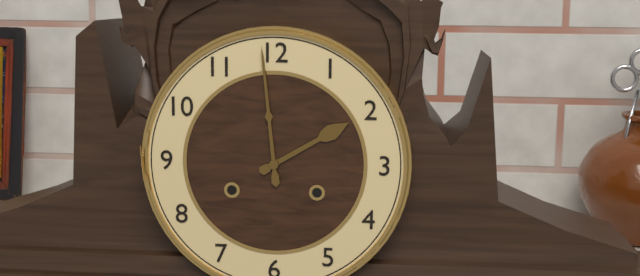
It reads {"hour": 1, "minute": 59}
